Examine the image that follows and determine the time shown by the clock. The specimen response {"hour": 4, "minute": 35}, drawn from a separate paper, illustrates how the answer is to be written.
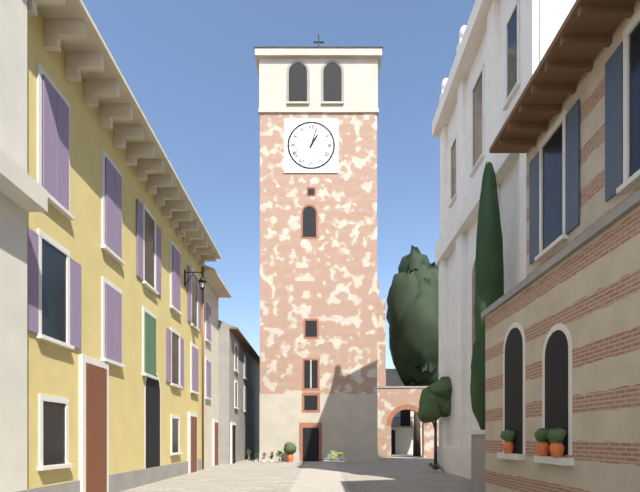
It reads {"hour": 1, "minute": 3}
